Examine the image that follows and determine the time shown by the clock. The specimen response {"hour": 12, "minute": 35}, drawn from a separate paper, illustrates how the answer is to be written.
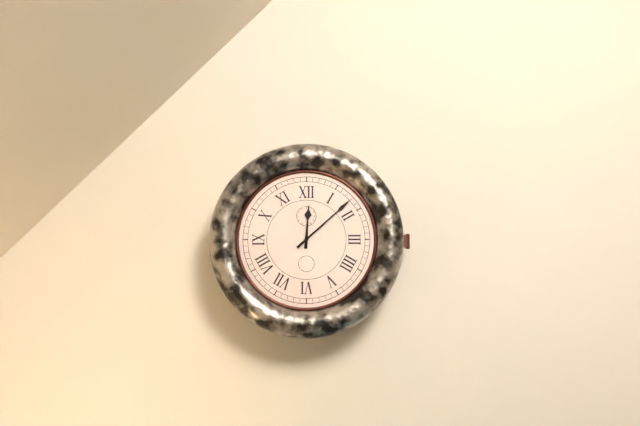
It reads {"hour": 12, "minute": 8}
